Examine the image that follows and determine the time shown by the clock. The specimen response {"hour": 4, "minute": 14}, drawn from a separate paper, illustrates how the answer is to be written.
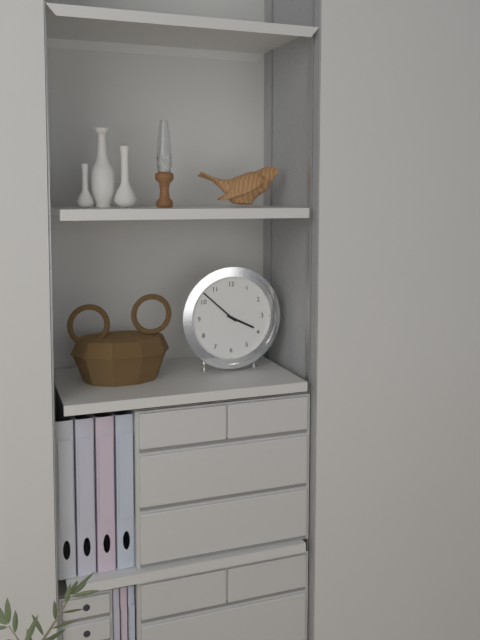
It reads {"hour": 3, "minute": 52}
